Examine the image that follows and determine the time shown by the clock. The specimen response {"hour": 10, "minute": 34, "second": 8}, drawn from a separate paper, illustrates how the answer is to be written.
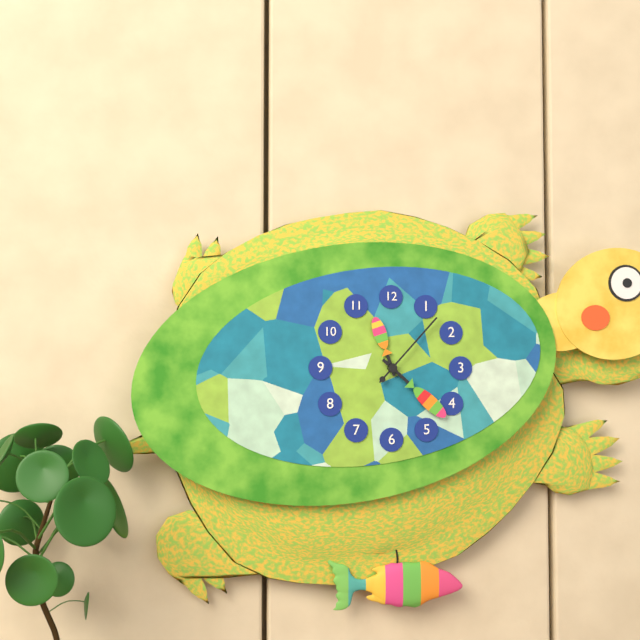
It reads {"hour": 11, "minute": 22, "second": 7}
